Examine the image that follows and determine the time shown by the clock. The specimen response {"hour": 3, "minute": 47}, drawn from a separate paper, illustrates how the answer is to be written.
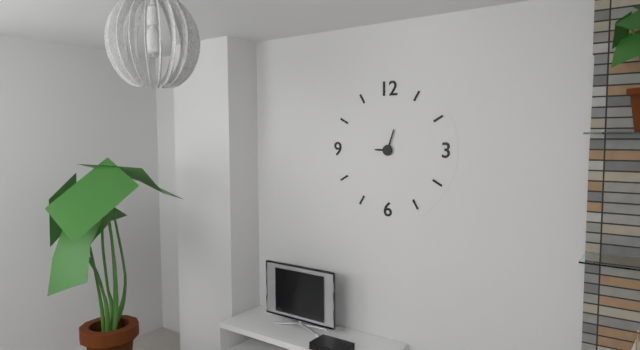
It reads {"hour": 9, "minute": 3}
